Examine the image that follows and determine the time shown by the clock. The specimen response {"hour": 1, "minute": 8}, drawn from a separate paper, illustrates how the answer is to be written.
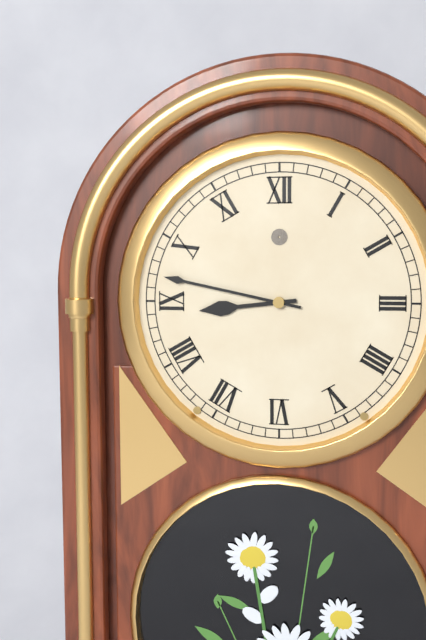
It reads {"hour": 8, "minute": 47}
